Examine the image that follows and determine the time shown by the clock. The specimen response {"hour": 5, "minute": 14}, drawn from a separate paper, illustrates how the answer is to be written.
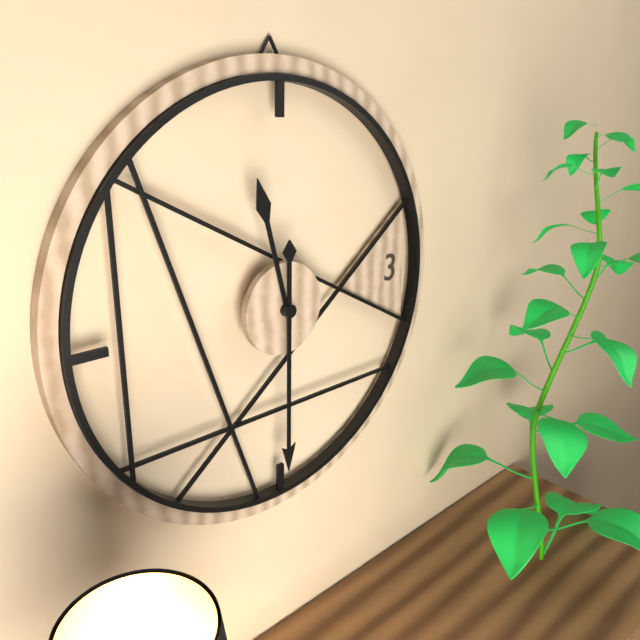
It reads {"hour": 11, "minute": 30}
